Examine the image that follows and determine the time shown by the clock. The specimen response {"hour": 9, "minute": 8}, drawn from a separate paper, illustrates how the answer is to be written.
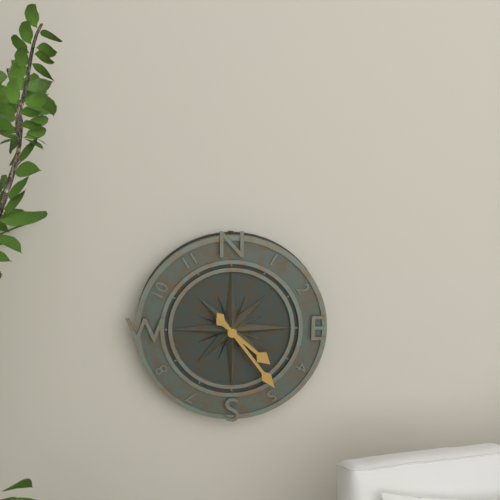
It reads {"hour": 4, "minute": 24}
